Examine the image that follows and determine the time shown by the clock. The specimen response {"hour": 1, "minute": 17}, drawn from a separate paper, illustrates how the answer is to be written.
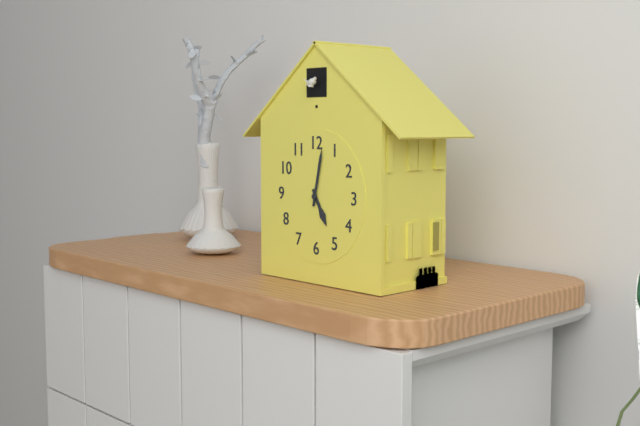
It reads {"hour": 5, "minute": 2}
